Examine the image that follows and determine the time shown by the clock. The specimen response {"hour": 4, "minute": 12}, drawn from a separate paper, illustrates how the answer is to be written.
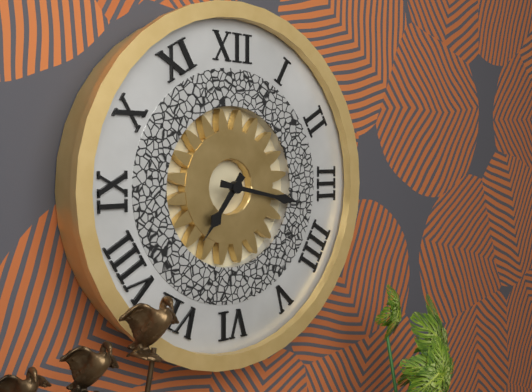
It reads {"hour": 7, "minute": 17}
